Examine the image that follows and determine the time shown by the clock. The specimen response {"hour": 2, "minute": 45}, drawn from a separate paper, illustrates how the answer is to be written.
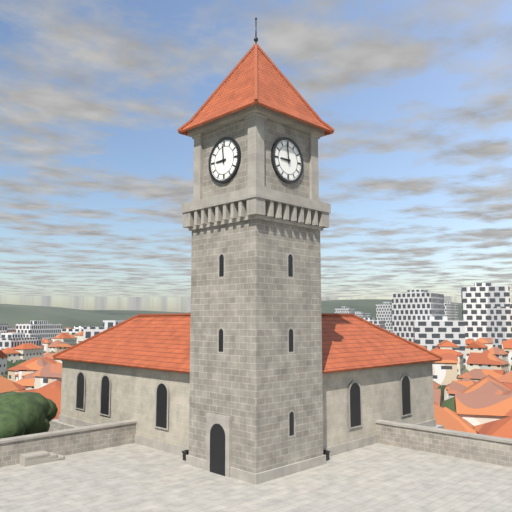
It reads {"hour": 8, "minute": 59}
